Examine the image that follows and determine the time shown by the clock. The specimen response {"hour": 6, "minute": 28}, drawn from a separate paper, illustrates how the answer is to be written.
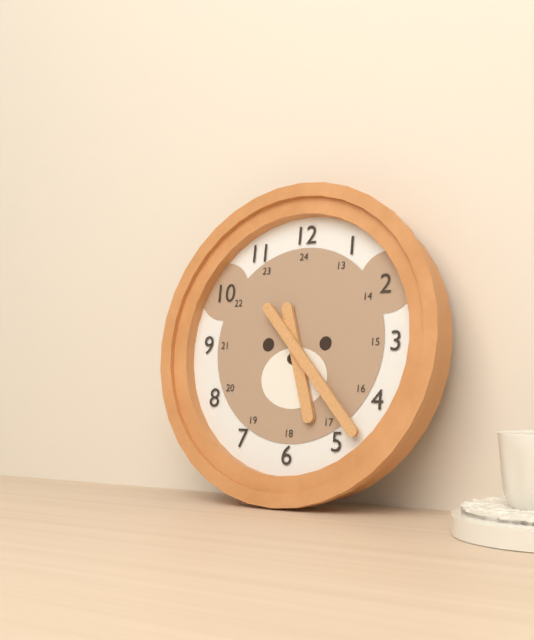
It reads {"hour": 5, "minute": 23}
